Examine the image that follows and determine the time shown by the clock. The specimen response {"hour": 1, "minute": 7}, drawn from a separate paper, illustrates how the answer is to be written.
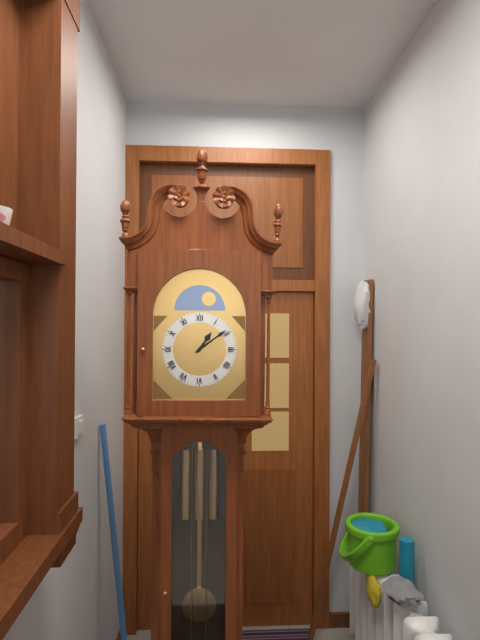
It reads {"hour": 1, "minute": 9}
